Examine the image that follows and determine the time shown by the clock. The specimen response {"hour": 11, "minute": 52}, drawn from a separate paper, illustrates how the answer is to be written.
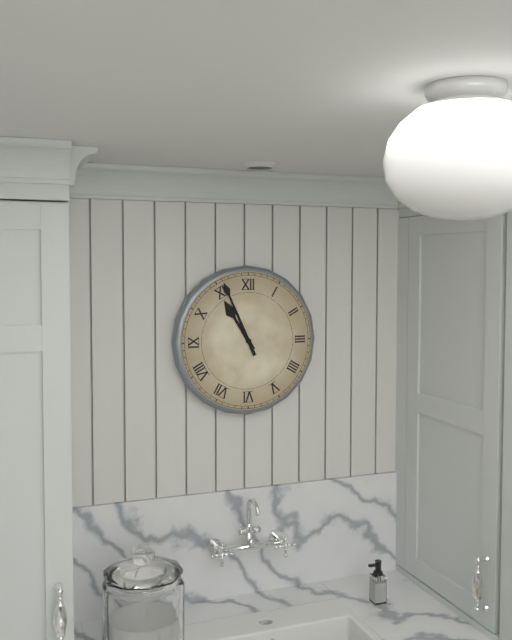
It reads {"hour": 10, "minute": 56}
